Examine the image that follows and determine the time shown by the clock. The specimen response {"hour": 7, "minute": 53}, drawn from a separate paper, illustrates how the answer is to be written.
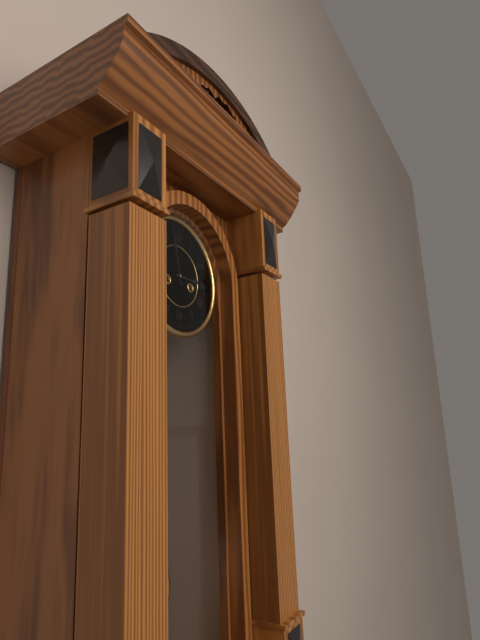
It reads {"hour": 2, "minute": 58}
